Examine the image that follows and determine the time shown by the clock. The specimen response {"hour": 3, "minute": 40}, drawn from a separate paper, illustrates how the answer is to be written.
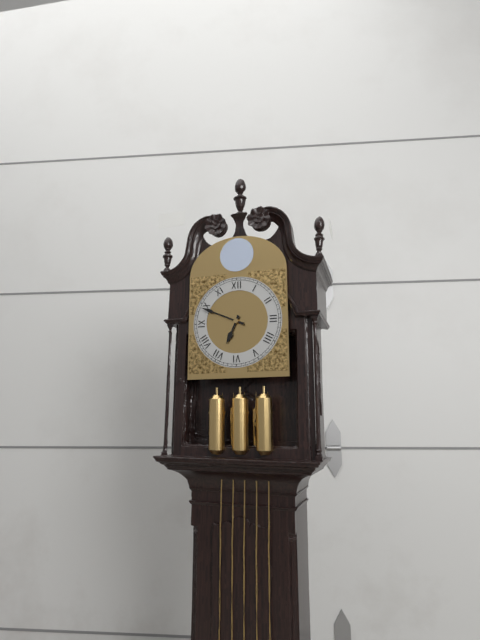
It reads {"hour": 6, "minute": 49}
